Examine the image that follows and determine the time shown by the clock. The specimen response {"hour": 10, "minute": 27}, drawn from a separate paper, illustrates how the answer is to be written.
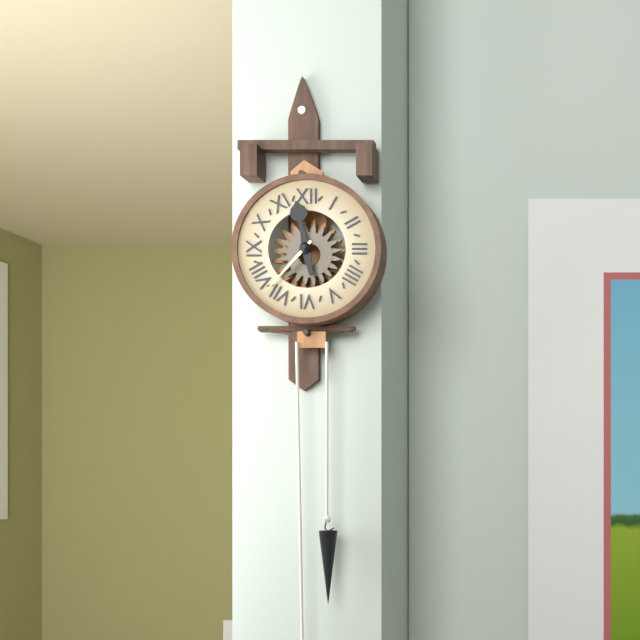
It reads {"hour": 11, "minute": 37}
